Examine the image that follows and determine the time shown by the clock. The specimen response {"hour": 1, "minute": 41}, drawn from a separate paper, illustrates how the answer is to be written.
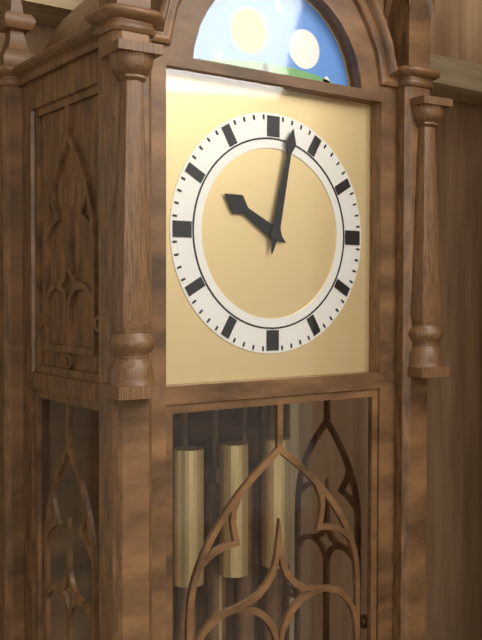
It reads {"hour": 10, "minute": 2}
